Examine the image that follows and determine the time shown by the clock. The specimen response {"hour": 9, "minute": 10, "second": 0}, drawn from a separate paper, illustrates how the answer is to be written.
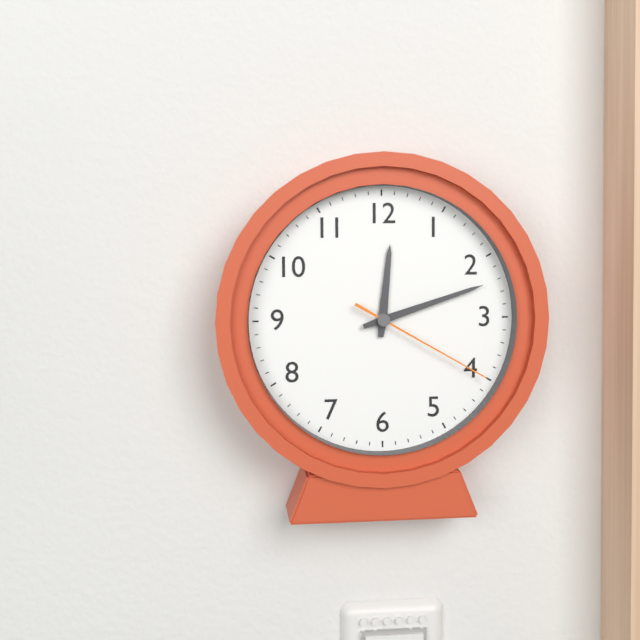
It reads {"hour": 12, "minute": 12, "second": 20}
